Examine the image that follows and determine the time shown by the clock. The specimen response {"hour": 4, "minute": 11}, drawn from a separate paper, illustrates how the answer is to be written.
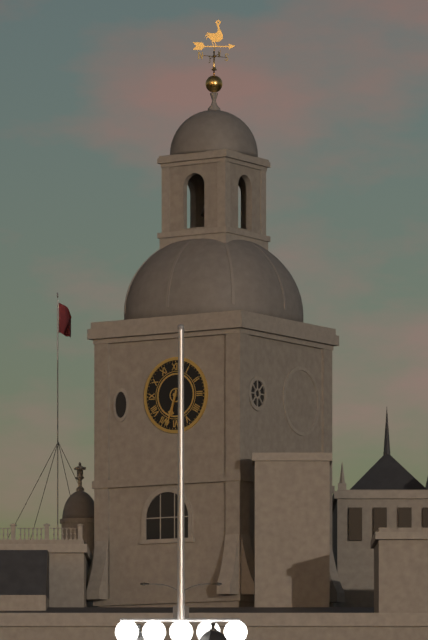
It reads {"hour": 6, "minute": 33}
